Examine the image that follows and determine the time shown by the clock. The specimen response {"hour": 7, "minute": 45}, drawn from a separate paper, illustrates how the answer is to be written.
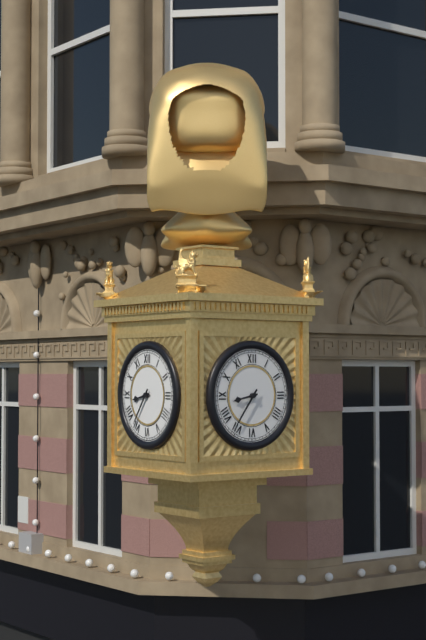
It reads {"hour": 8, "minute": 36}
